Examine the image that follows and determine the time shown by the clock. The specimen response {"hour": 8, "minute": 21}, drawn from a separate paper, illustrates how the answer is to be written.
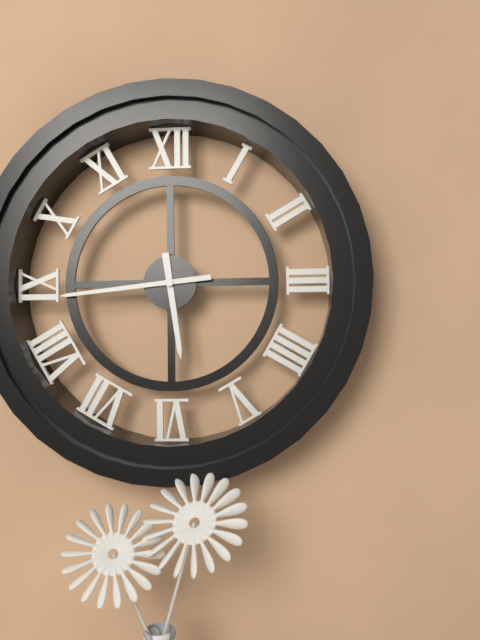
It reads {"hour": 5, "minute": 44}
